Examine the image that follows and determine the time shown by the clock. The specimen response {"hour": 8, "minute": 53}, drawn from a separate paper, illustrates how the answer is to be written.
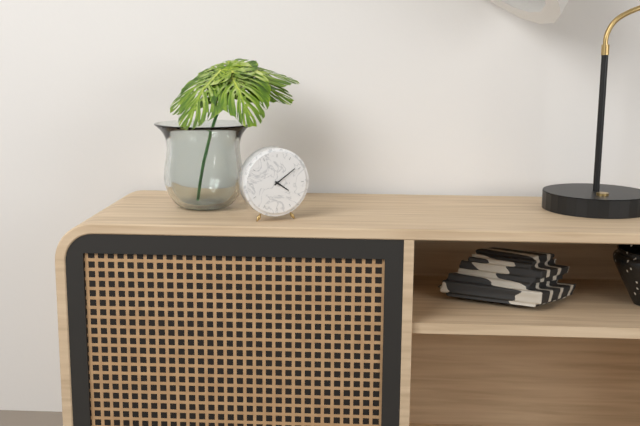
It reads {"hour": 4, "minute": 9}
